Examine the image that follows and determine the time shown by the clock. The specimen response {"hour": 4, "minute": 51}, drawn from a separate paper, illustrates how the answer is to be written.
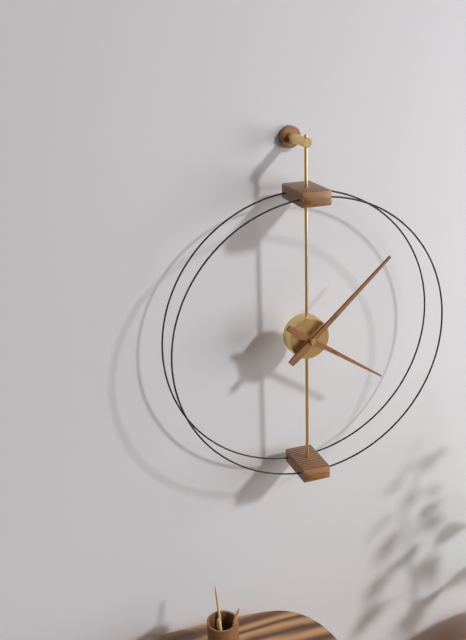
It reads {"hour": 4, "minute": 8}
